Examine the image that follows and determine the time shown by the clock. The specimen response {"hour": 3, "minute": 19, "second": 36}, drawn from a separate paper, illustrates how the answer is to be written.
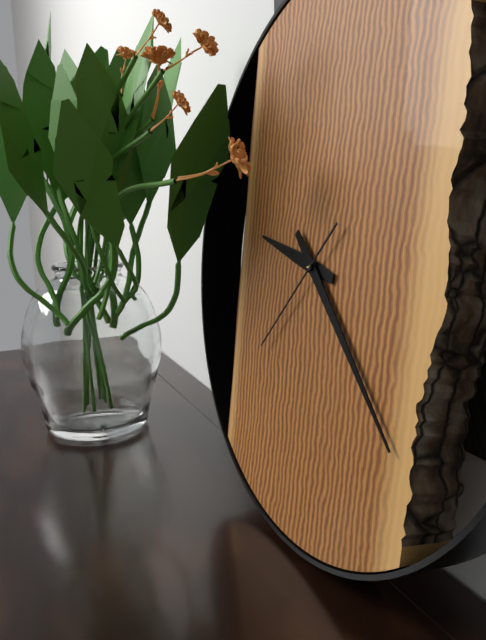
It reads {"hour": 9, "minute": 22, "second": 37}
